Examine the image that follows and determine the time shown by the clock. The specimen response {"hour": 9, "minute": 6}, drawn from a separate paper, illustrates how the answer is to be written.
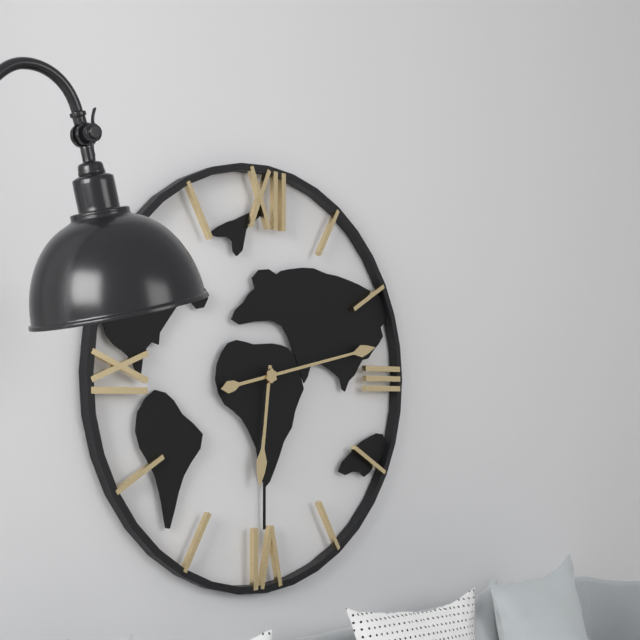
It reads {"hour": 6, "minute": 13}
